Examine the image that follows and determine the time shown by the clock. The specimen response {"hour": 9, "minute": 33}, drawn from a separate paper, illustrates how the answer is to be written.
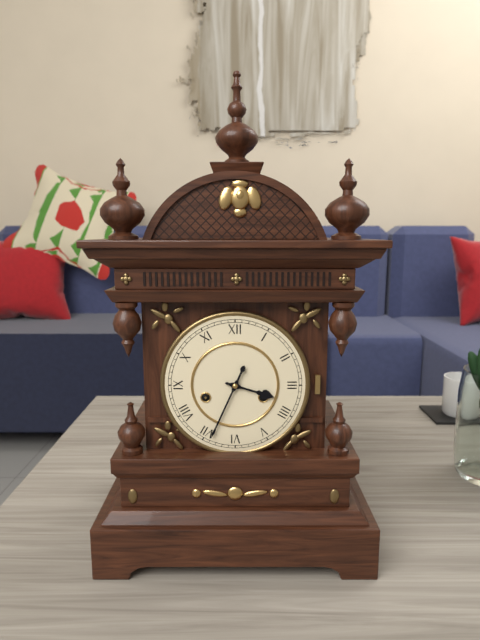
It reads {"hour": 3, "minute": 34}
